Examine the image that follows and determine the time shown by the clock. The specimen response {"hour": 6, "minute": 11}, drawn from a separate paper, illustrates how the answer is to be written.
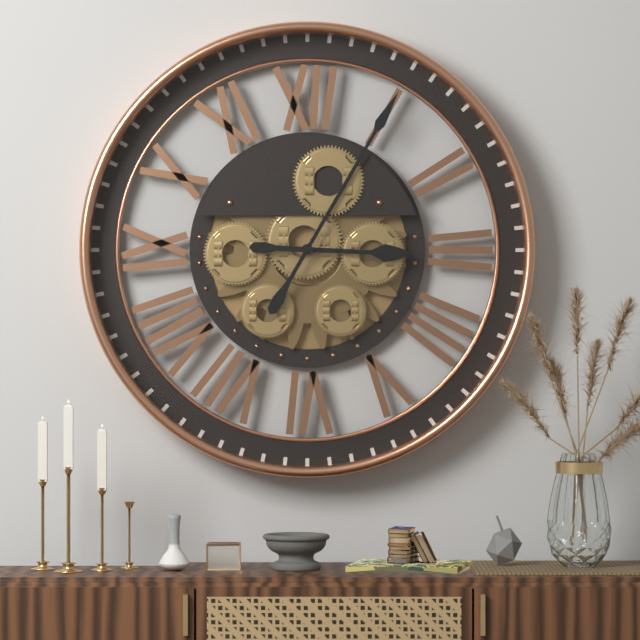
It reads {"hour": 3, "minute": 5}
